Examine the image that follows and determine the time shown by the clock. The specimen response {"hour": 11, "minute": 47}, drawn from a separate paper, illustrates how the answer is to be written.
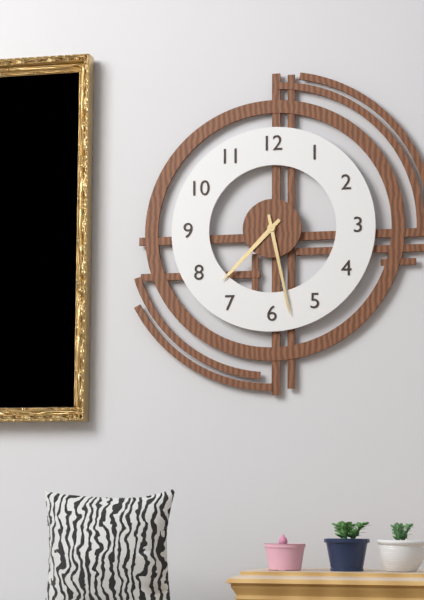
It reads {"hour": 7, "minute": 28}
